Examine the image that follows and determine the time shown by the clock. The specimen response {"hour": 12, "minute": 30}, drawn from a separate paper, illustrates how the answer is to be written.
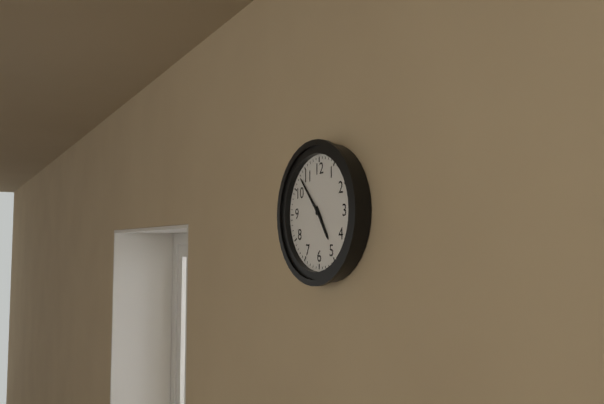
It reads {"hour": 4, "minute": 53}
